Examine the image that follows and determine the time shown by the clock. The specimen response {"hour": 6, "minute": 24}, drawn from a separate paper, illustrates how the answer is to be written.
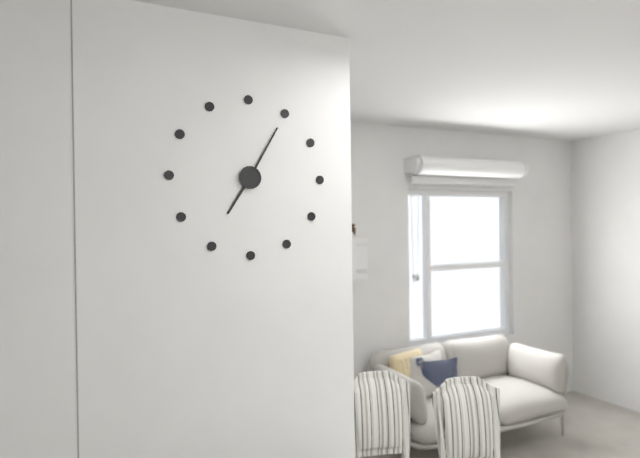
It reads {"hour": 7, "minute": 5}
